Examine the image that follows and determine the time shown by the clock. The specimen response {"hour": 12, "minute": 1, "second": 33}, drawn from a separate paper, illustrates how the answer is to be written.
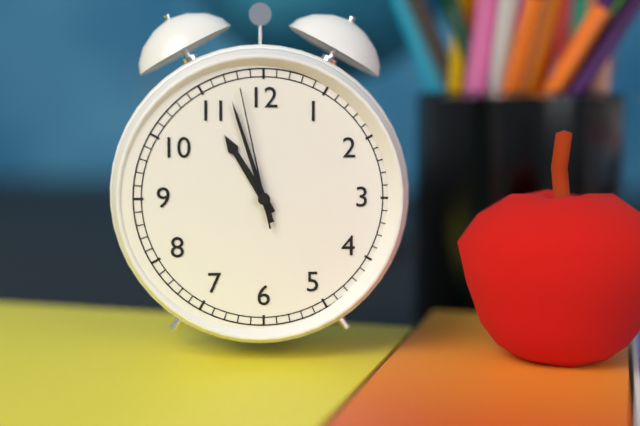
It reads {"hour": 10, "minute": 57, "second": 58}
